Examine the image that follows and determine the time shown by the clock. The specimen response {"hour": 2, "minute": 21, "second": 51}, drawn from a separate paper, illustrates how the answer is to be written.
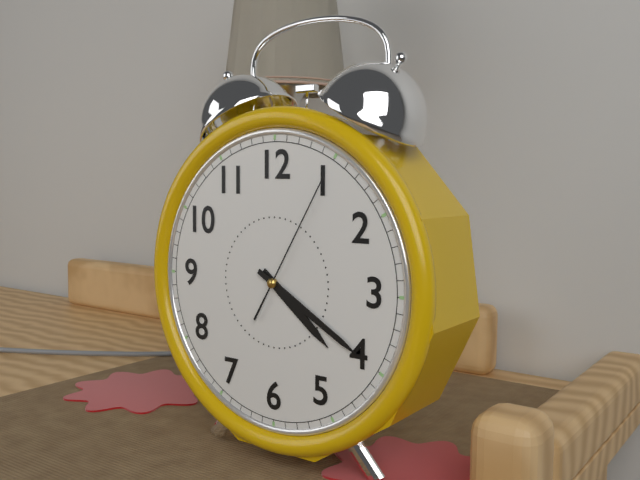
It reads {"hour": 4, "minute": 20, "second": 5}
